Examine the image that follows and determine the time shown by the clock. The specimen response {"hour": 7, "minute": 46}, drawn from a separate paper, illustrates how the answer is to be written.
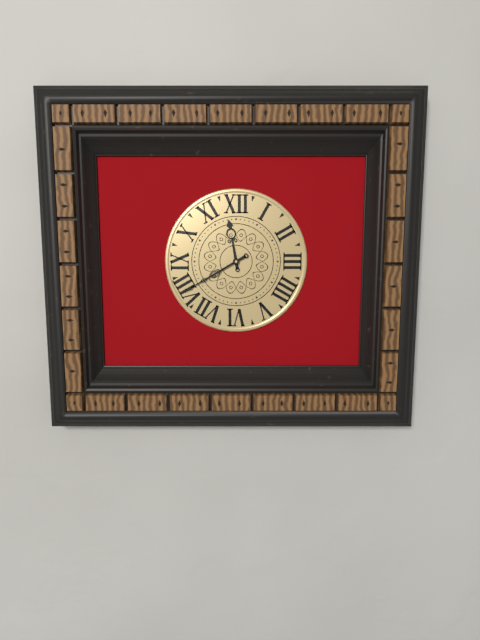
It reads {"hour": 11, "minute": 40}
